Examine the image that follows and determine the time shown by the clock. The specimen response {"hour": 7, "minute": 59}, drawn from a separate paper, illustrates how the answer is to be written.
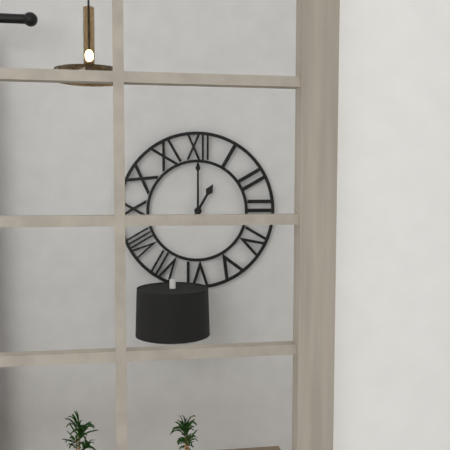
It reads {"hour": 1, "minute": 0}
